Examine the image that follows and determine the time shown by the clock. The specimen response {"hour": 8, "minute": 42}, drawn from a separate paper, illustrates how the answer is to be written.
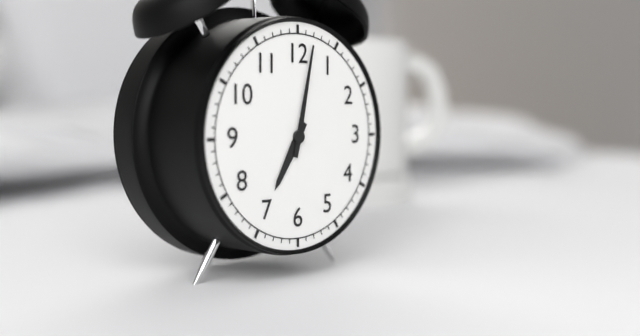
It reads {"hour": 7, "minute": 2}
